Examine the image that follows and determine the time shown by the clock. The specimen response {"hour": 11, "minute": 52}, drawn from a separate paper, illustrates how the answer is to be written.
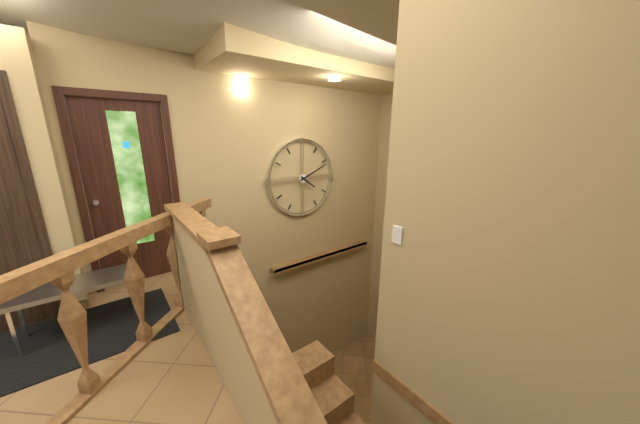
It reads {"hour": 4, "minute": 11}
